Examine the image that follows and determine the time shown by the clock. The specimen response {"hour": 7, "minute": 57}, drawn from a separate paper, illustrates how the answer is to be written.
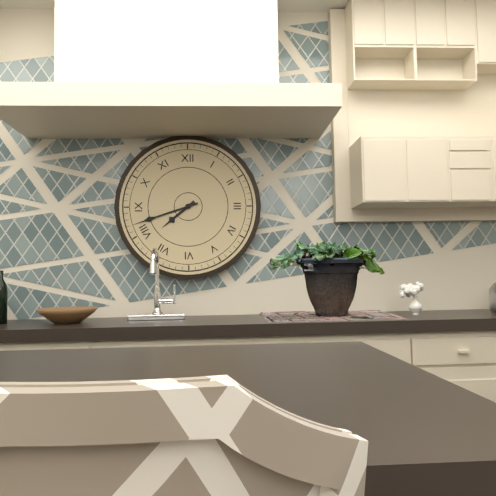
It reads {"hour": 7, "minute": 42}
